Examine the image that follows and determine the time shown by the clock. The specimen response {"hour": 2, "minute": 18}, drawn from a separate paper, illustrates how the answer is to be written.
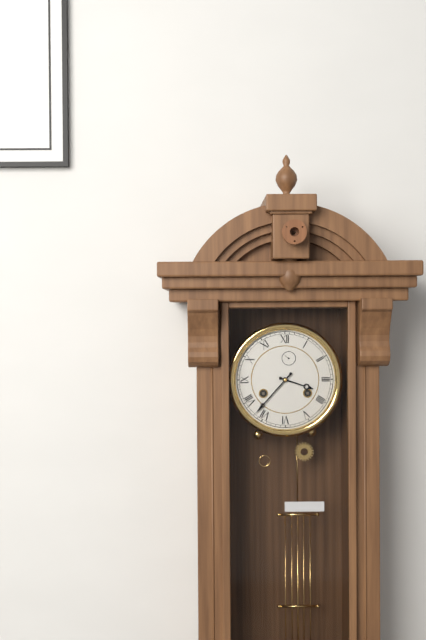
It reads {"hour": 3, "minute": 37}
